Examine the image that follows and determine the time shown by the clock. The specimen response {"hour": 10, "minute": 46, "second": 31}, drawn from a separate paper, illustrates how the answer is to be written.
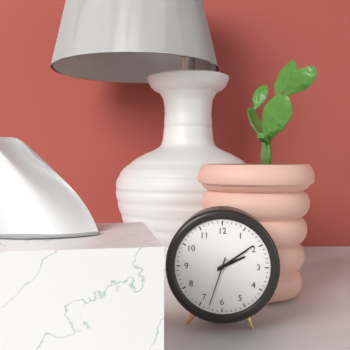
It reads {"hour": 2, "minute": 9, "second": 33}
